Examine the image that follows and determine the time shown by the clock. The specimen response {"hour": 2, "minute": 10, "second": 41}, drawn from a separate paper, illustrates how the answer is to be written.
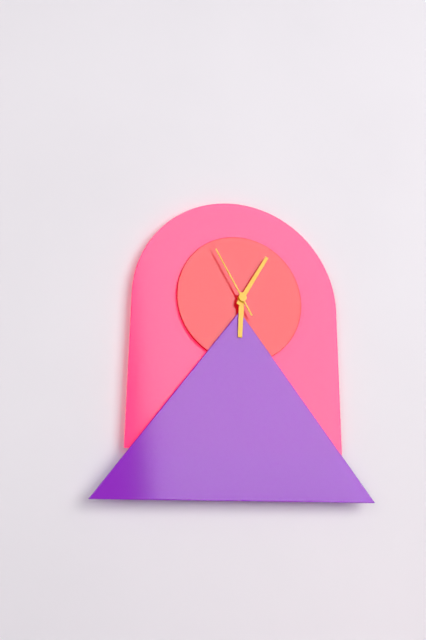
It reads {"hour": 6, "minute": 5, "second": 55}
